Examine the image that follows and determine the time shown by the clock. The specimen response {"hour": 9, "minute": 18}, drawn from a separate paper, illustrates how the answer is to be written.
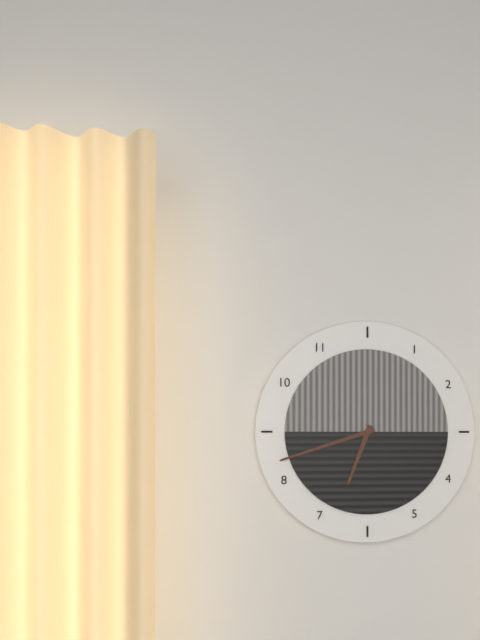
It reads {"hour": 6, "minute": 42}
